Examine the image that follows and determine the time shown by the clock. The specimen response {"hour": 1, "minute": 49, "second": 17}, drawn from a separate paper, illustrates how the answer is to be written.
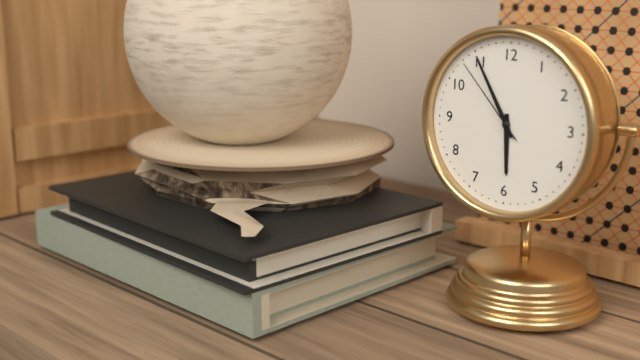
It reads {"hour": 5, "minute": 55, "second": 53}
